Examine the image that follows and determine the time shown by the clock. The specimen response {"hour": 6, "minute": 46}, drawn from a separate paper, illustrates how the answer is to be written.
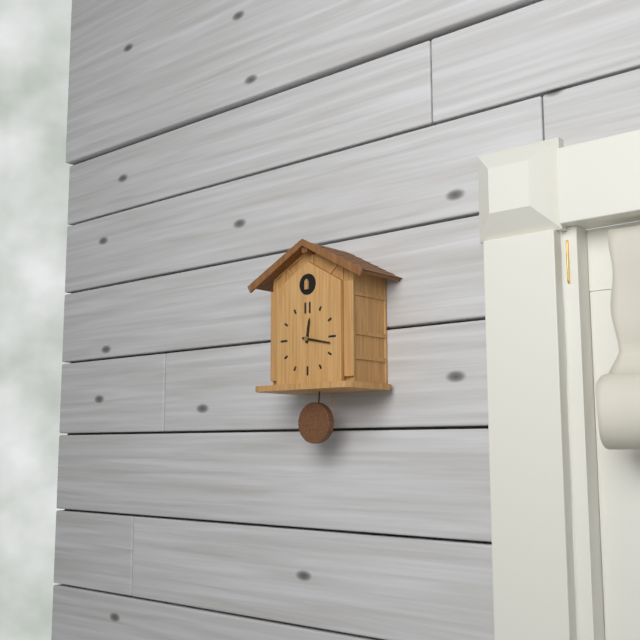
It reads {"hour": 12, "minute": 17}
